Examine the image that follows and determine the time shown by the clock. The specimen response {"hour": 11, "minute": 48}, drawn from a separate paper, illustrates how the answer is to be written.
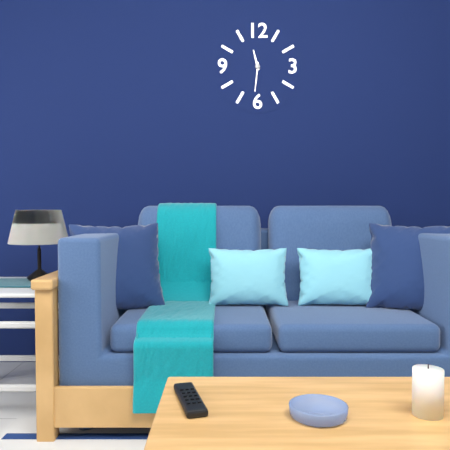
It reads {"hour": 11, "minute": 31}
